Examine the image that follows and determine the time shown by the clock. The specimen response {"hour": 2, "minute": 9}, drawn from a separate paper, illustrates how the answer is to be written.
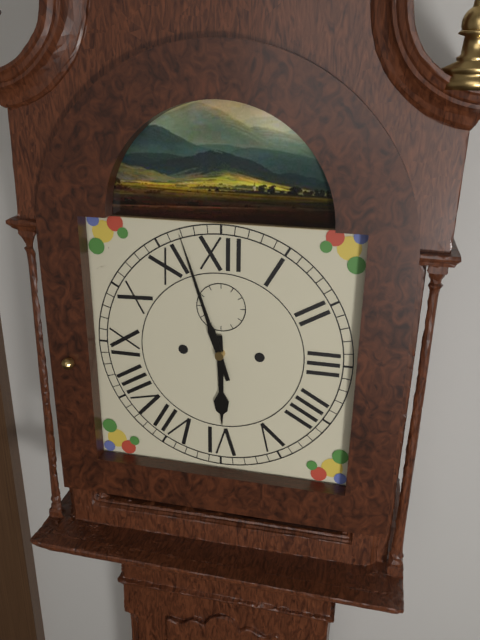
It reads {"hour": 5, "minute": 57}
